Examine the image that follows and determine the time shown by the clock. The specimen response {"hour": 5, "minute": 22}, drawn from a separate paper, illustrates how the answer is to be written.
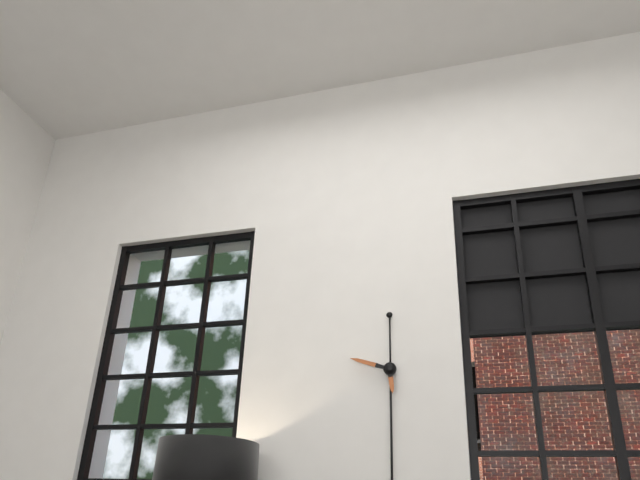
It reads {"hour": 5, "minute": 48}
